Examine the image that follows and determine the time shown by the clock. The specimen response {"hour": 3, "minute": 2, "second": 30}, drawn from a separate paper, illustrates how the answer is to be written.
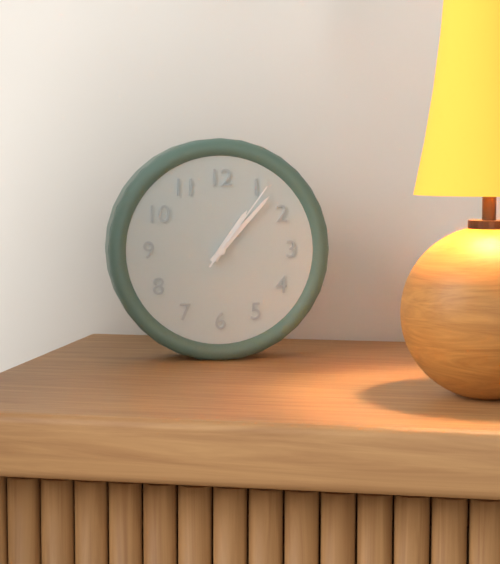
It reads {"hour": 1, "minute": 7, "second": 6}
